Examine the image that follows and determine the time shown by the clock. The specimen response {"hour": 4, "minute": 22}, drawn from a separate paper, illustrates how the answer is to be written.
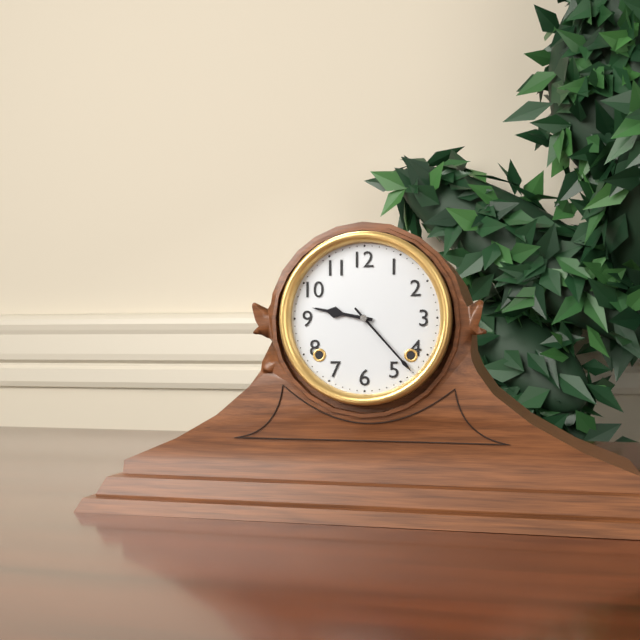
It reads {"hour": 9, "minute": 23}
